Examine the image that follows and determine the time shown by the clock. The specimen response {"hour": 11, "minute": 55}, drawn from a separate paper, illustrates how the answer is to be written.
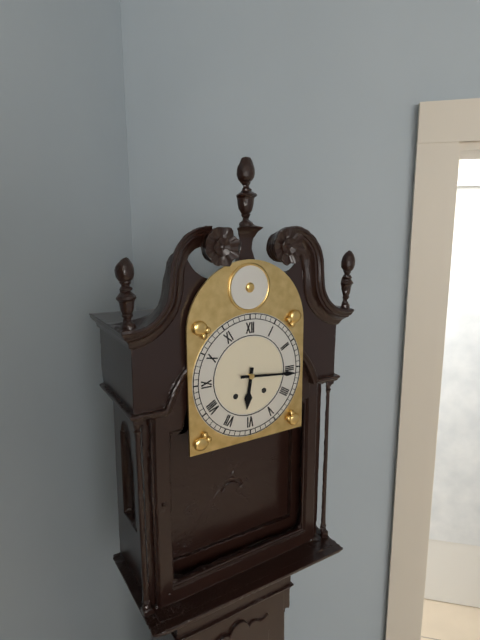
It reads {"hour": 6, "minute": 16}
